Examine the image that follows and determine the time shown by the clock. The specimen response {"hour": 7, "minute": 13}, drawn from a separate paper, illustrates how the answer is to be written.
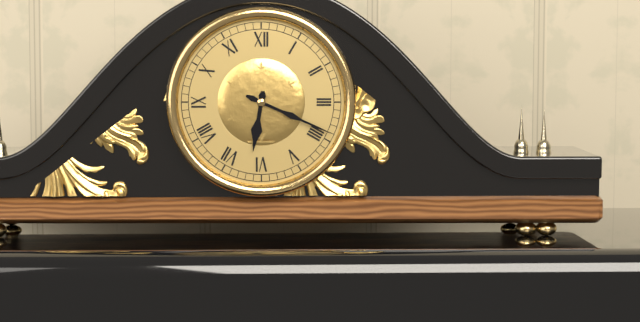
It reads {"hour": 6, "minute": 19}
